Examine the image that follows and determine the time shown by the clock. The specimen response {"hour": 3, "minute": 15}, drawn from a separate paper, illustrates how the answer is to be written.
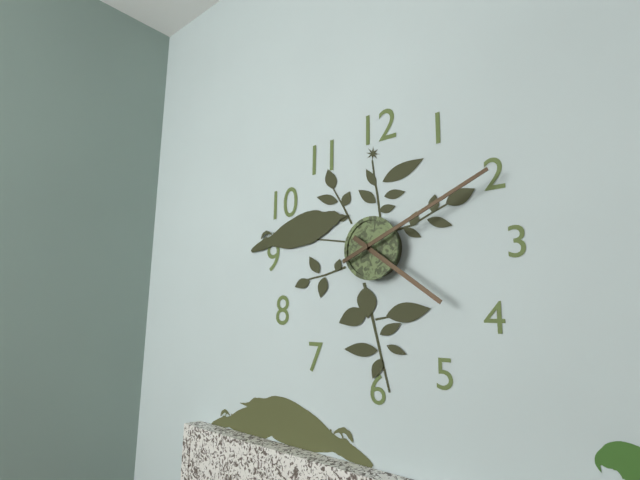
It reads {"hour": 4, "minute": 11}
